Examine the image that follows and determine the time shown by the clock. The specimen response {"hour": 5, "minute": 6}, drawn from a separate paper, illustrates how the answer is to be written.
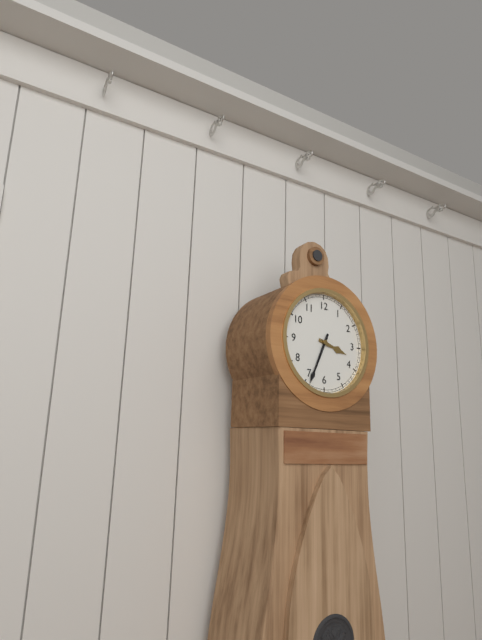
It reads {"hour": 3, "minute": 34}
